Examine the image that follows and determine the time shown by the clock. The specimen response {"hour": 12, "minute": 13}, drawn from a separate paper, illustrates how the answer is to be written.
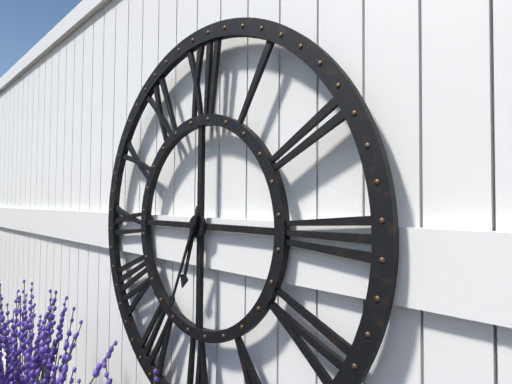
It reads {"hour": 6, "minute": 34}
